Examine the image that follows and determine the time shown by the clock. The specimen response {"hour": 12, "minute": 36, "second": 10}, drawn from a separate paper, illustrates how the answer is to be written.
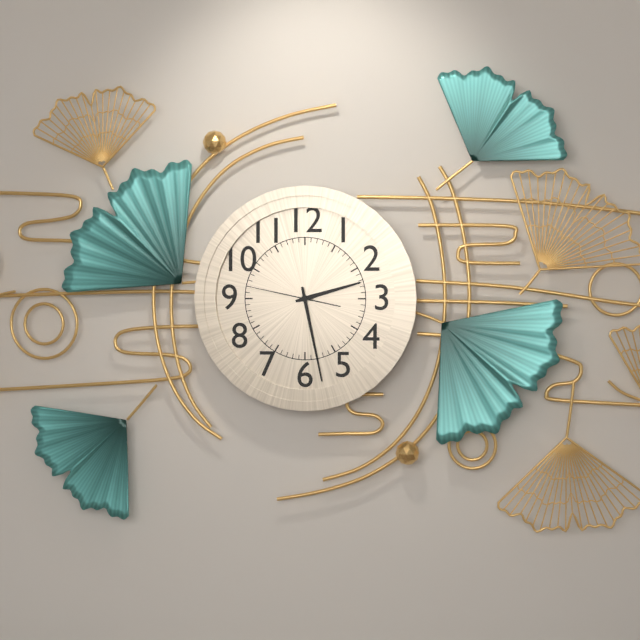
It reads {"hour": 2, "minute": 28, "second": 47}
